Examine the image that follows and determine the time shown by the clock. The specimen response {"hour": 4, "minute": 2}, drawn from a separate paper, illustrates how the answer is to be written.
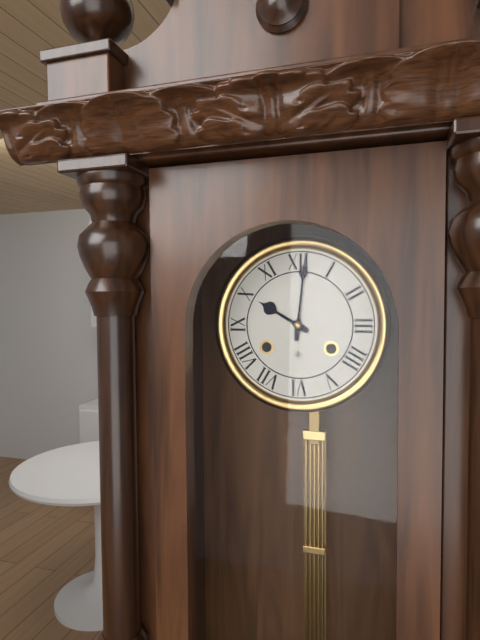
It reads {"hour": 10, "minute": 1}
